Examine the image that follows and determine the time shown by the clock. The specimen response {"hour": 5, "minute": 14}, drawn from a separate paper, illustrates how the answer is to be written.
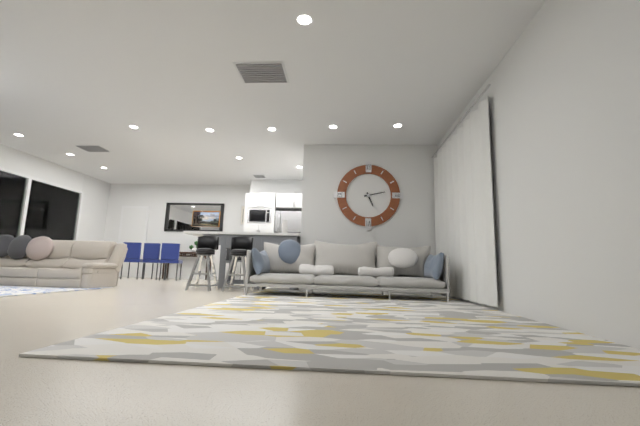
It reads {"hour": 5, "minute": 13}
